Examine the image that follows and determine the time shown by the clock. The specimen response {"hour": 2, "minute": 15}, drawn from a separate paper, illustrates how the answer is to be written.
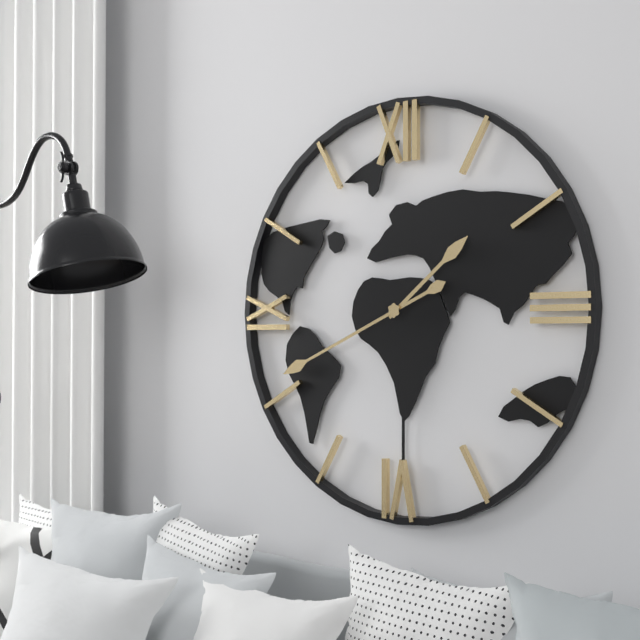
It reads {"hour": 1, "minute": 41}
